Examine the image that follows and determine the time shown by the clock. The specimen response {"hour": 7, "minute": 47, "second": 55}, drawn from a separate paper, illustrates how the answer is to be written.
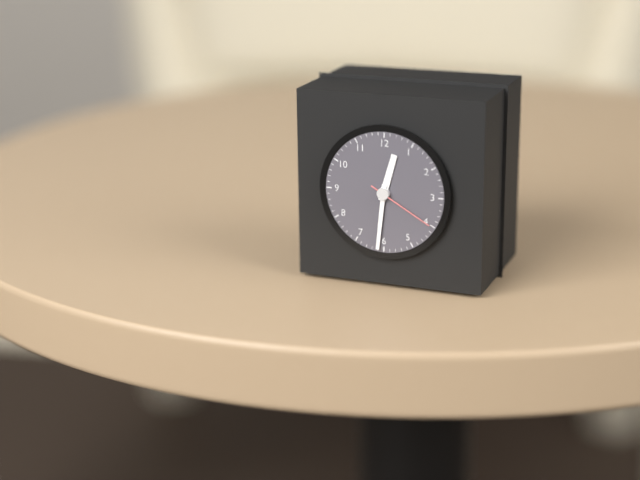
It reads {"hour": 12, "minute": 31, "second": 20}
